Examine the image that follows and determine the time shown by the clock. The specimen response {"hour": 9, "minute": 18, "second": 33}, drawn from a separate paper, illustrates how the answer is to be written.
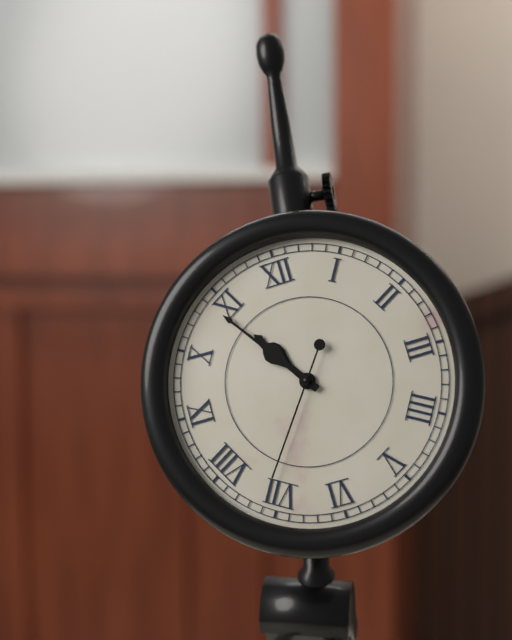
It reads {"hour": 10, "minute": 54, "second": 36}
